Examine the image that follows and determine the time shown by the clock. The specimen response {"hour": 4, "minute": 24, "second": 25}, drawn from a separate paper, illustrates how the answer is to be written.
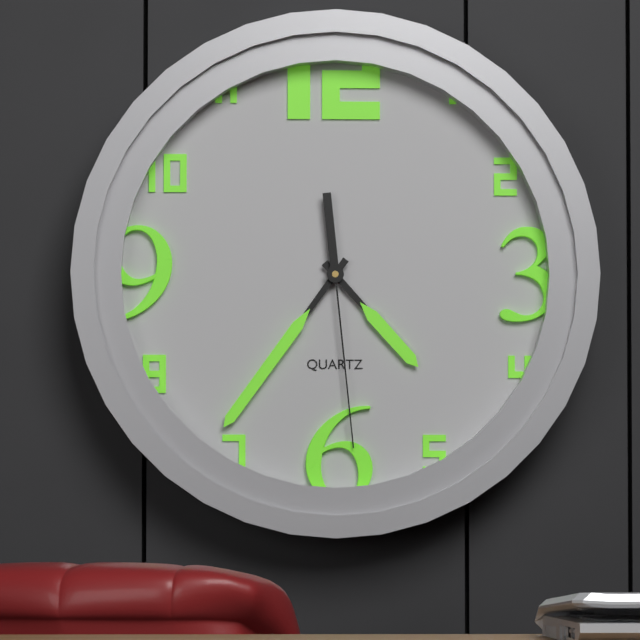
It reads {"hour": 4, "minute": 36, "second": 29}
